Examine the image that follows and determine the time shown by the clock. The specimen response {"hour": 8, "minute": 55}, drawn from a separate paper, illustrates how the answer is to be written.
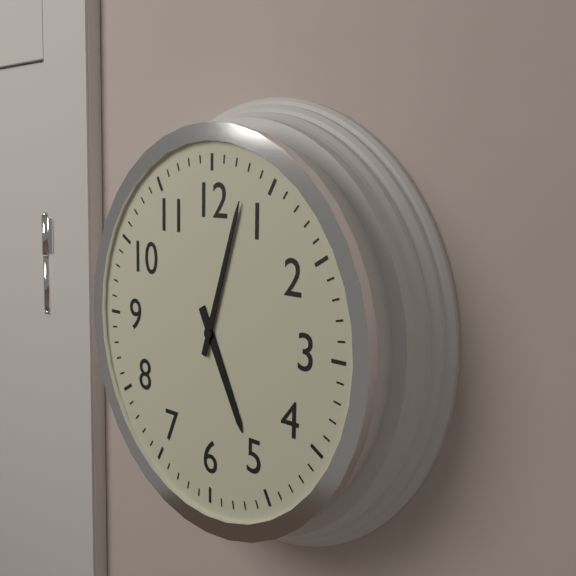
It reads {"hour": 5, "minute": 3}
